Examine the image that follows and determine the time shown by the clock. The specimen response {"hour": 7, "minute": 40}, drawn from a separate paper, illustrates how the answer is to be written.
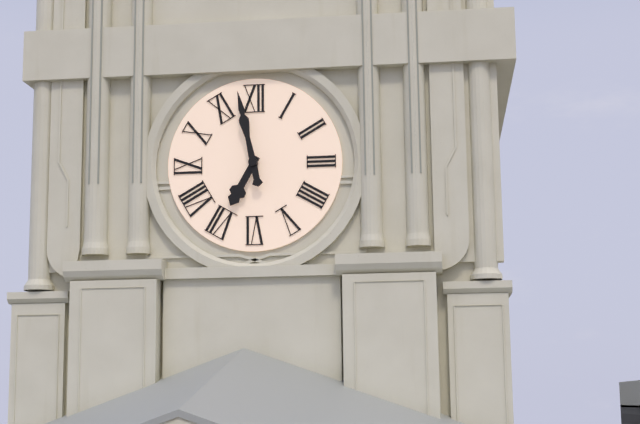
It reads {"hour": 6, "minute": 58}
